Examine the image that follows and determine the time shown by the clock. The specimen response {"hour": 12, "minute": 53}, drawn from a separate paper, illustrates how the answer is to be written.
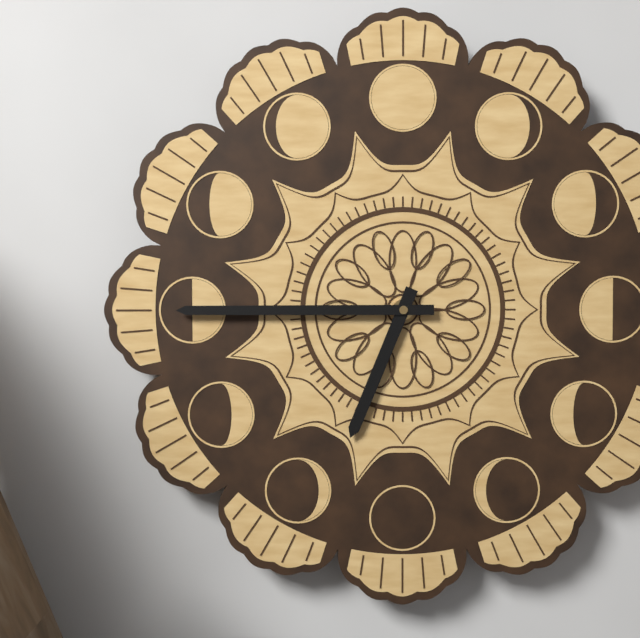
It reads {"hour": 6, "minute": 45}
